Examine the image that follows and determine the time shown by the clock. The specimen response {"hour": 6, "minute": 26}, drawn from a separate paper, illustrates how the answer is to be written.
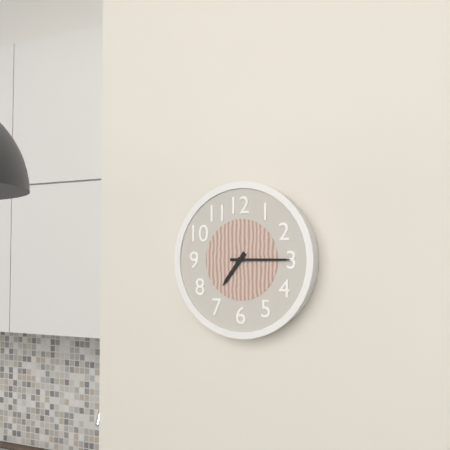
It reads {"hour": 7, "minute": 15}
